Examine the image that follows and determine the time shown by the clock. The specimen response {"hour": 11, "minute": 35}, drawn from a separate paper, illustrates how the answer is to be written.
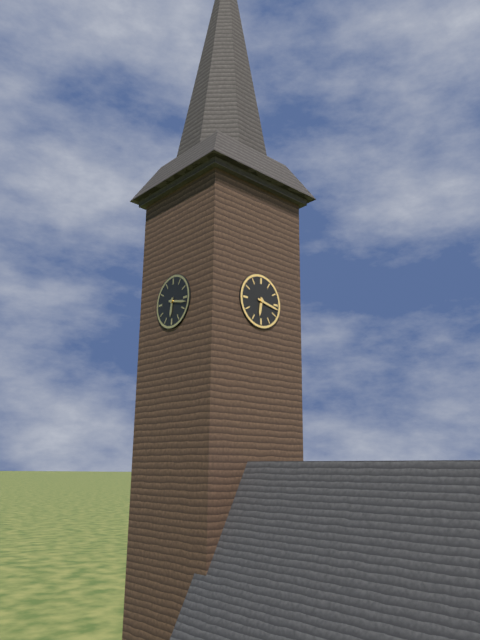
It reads {"hour": 6, "minute": 17}
